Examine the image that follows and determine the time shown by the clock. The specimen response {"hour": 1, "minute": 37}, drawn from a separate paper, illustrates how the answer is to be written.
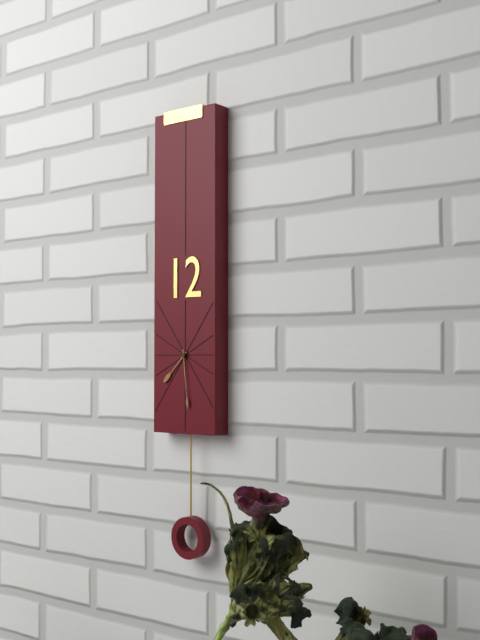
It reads {"hour": 7, "minute": 29}
